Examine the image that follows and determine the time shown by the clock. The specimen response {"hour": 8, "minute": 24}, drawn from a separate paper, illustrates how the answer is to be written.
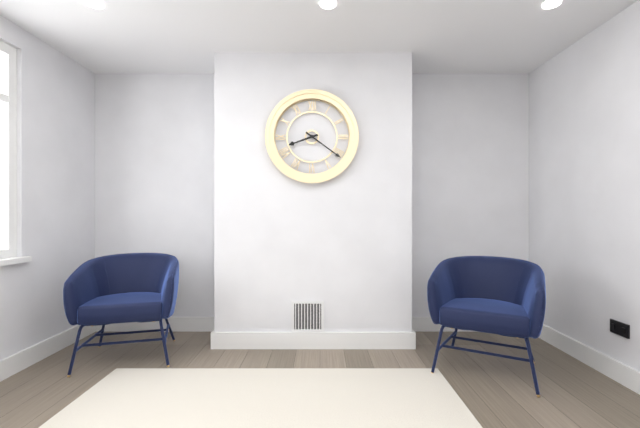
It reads {"hour": 8, "minute": 21}
